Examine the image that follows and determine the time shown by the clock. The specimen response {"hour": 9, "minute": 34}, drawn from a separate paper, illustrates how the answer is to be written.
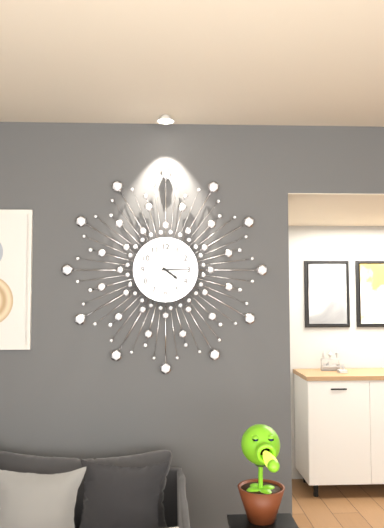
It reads {"hour": 4, "minute": 15}
